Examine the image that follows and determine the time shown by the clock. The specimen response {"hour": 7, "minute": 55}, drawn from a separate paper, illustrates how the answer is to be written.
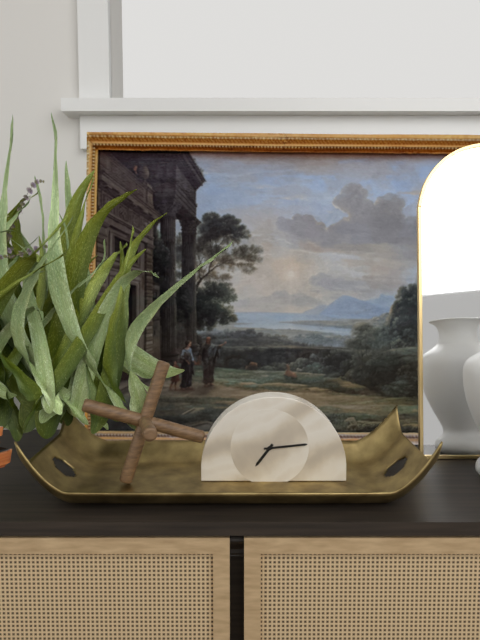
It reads {"hour": 7, "minute": 14}
